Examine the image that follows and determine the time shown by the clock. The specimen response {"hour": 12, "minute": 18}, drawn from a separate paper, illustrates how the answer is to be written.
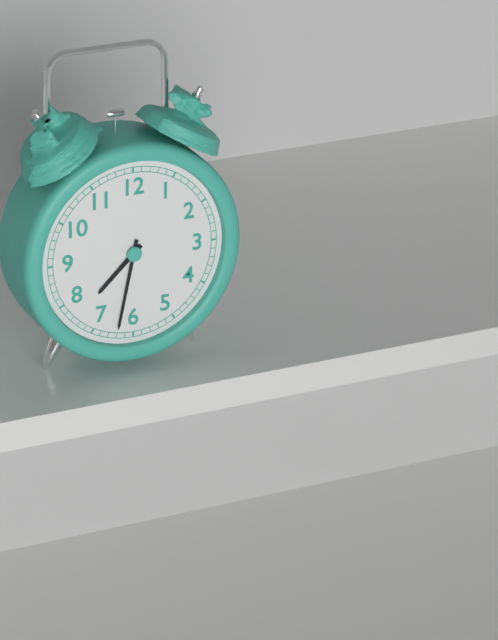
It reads {"hour": 7, "minute": 32}
